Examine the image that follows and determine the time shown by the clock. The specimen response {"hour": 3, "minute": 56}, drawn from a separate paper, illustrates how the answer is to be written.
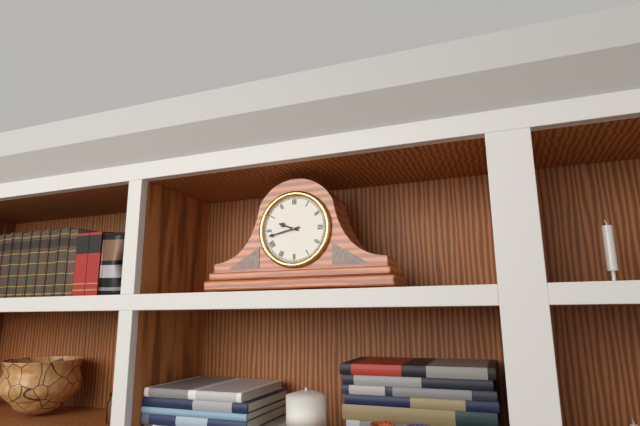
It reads {"hour": 9, "minute": 43}
